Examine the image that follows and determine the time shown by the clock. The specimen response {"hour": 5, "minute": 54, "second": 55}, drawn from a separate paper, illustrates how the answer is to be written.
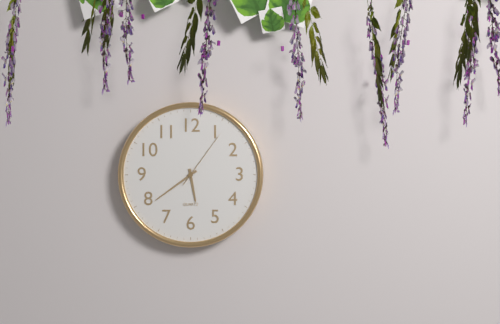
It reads {"hour": 5, "minute": 39, "second": 6}
